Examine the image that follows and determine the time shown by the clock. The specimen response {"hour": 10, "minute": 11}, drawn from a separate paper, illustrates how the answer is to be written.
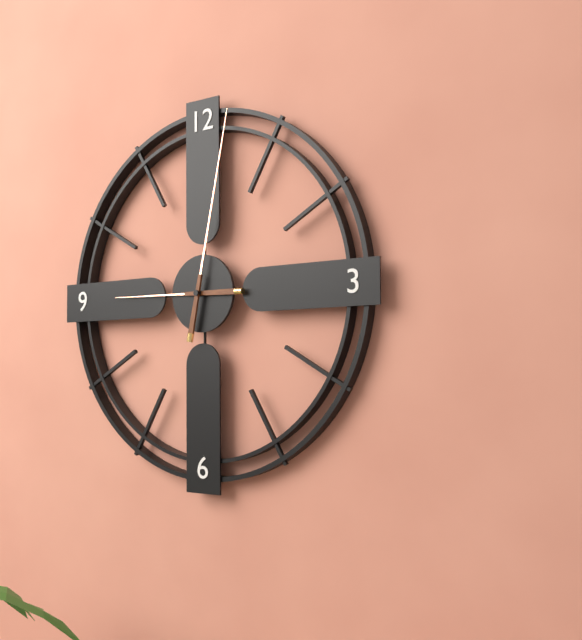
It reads {"hour": 9, "minute": 2}
